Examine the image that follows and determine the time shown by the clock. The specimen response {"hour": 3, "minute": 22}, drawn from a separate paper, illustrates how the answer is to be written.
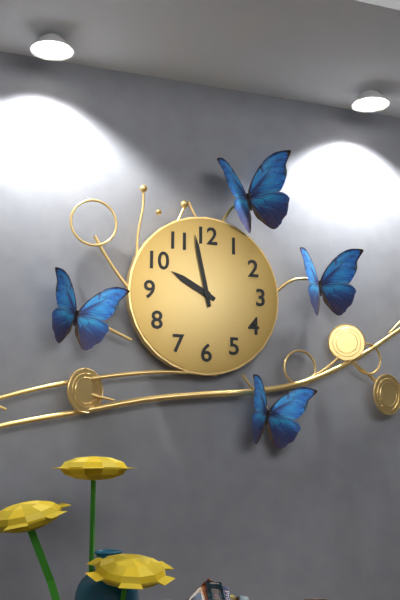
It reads {"hour": 9, "minute": 58}
